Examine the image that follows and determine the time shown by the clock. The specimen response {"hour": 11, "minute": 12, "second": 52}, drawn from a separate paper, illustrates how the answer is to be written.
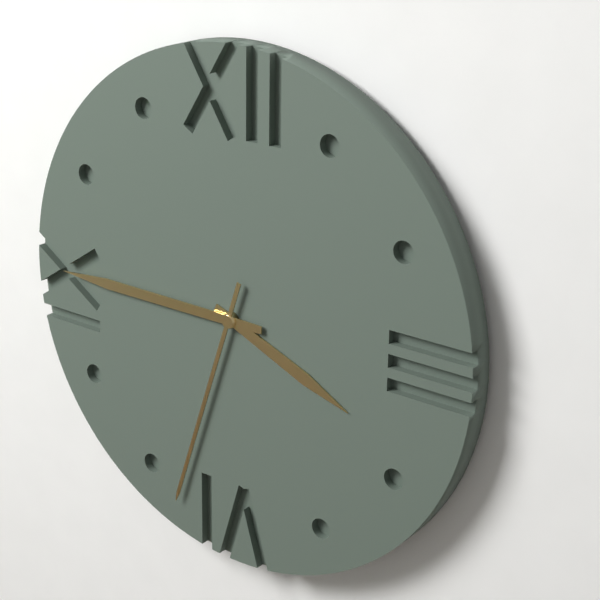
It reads {"hour": 3, "minute": 45, "second": 33}
